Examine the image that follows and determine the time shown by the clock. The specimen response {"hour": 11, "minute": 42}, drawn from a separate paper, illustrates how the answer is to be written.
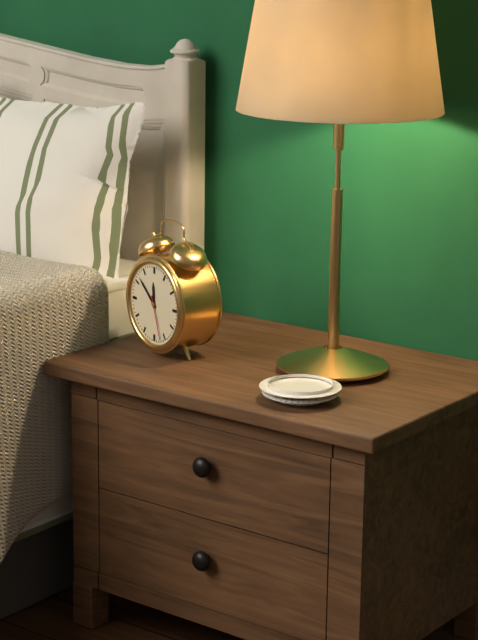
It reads {"hour": 11, "minute": 52}
